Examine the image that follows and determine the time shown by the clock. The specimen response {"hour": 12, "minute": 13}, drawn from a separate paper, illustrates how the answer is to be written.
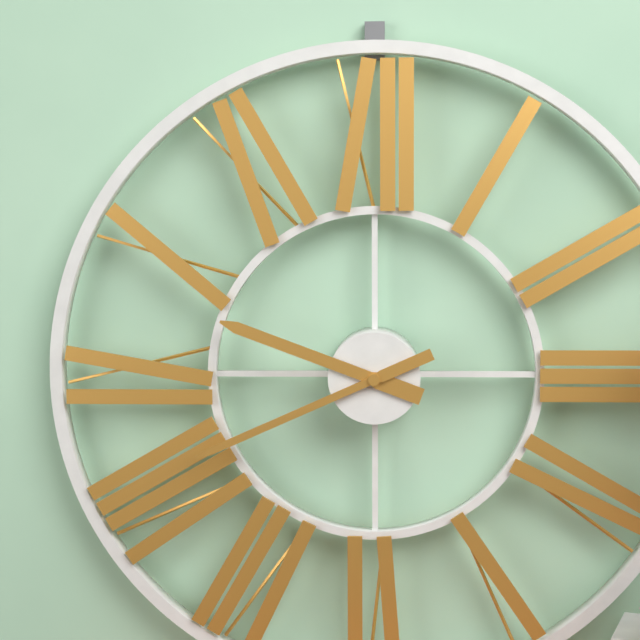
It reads {"hour": 9, "minute": 41}
